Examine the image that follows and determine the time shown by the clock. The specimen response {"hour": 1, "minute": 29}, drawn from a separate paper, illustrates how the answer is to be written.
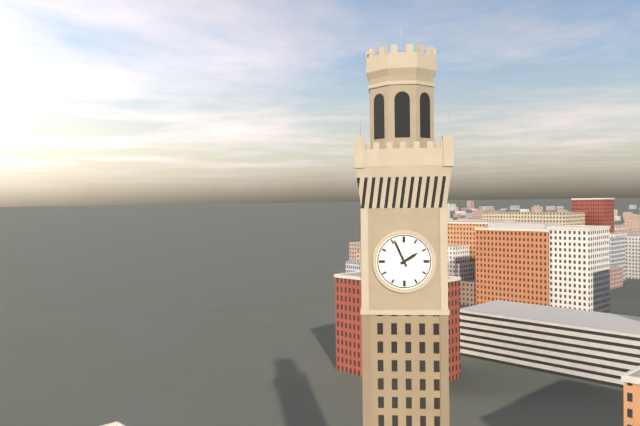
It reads {"hour": 1, "minute": 56}
